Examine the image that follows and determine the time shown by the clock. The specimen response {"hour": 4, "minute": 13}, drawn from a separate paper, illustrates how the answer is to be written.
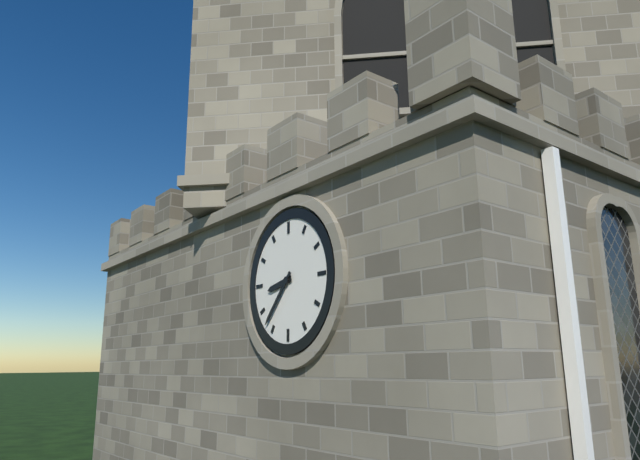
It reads {"hour": 8, "minute": 37}
